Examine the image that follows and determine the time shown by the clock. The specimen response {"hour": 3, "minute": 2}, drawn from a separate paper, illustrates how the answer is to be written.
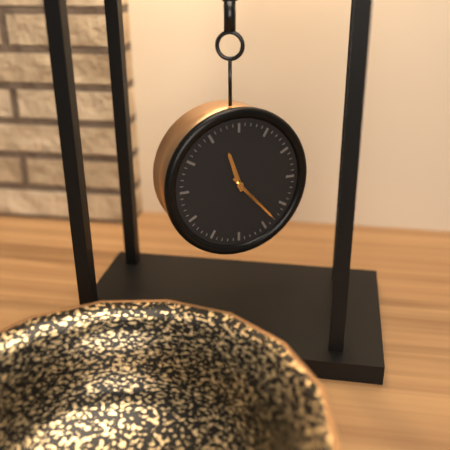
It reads {"hour": 11, "minute": 23}
